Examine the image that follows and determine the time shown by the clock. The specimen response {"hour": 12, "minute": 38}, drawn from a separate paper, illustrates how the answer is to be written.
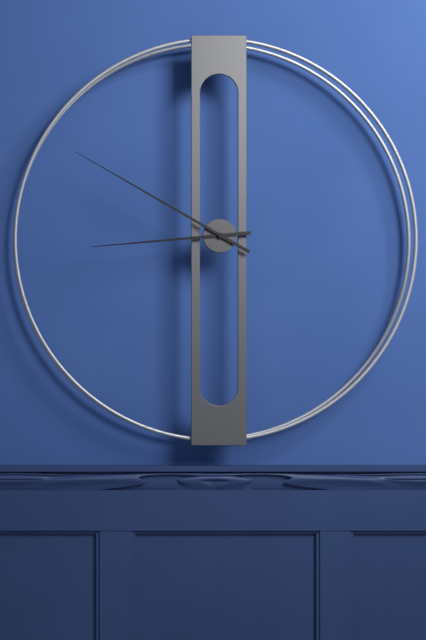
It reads {"hour": 8, "minute": 50}
